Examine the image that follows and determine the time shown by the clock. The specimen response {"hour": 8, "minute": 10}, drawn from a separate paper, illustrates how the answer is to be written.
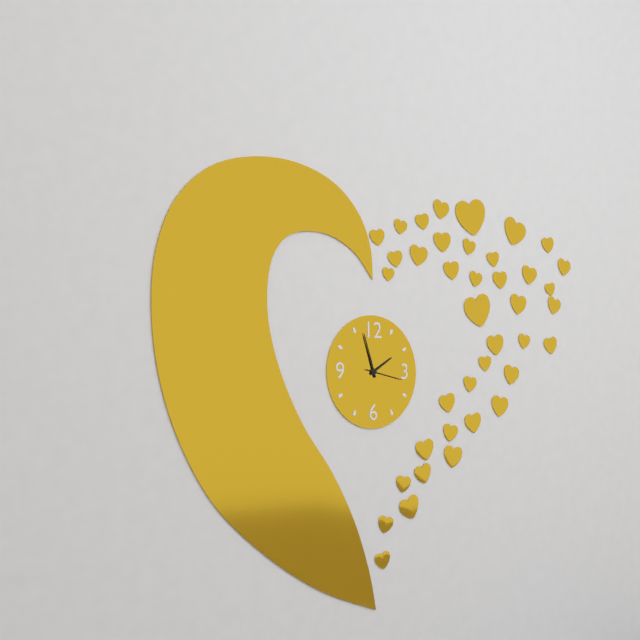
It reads {"hour": 1, "minute": 57}
